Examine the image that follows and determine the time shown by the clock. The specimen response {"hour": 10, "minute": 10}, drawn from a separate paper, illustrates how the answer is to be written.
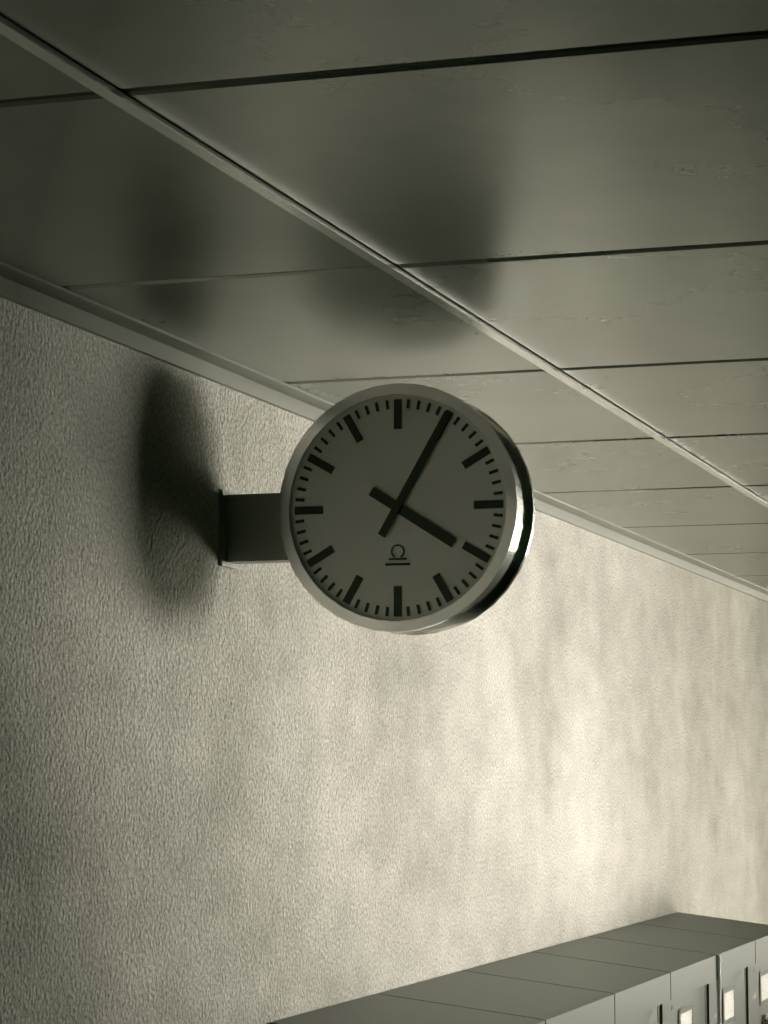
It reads {"hour": 4, "minute": 5}
